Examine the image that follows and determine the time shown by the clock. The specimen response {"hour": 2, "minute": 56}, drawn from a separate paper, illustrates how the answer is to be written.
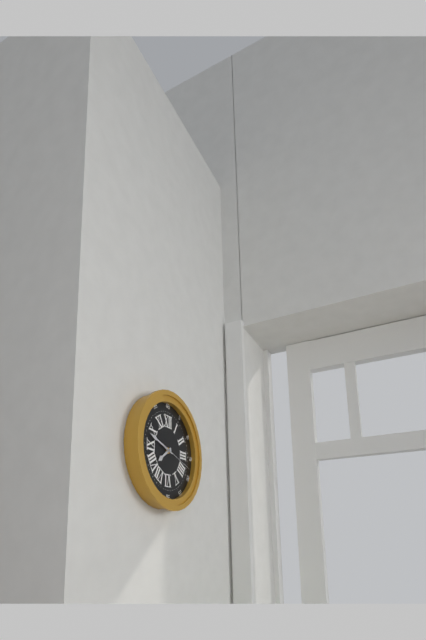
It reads {"hour": 7, "minute": 48}
